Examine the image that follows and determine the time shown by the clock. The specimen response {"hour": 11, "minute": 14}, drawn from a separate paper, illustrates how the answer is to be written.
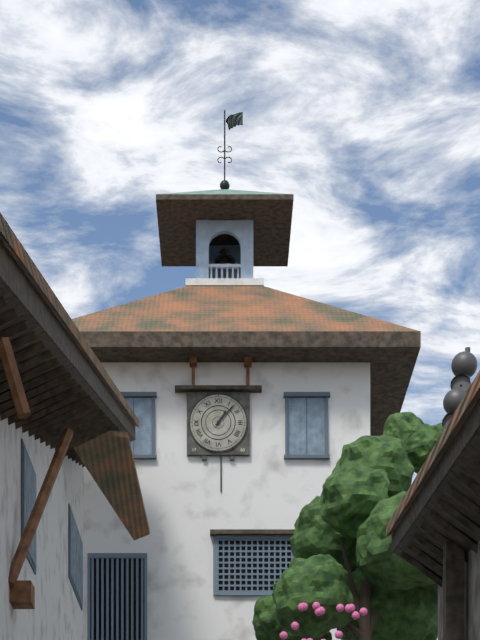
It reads {"hour": 1, "minute": 7}
